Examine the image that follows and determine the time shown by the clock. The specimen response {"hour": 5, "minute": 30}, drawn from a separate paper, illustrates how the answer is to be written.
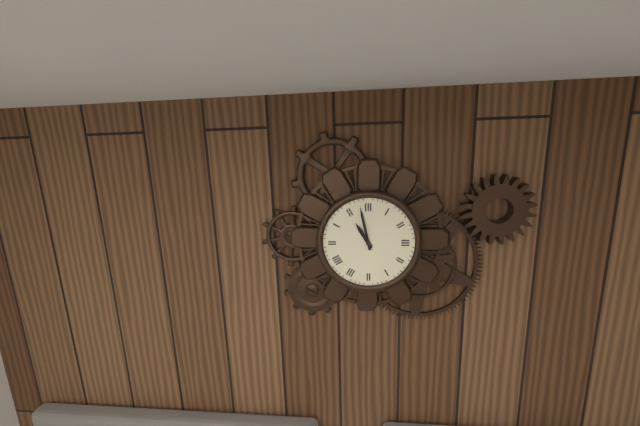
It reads {"hour": 10, "minute": 58}
